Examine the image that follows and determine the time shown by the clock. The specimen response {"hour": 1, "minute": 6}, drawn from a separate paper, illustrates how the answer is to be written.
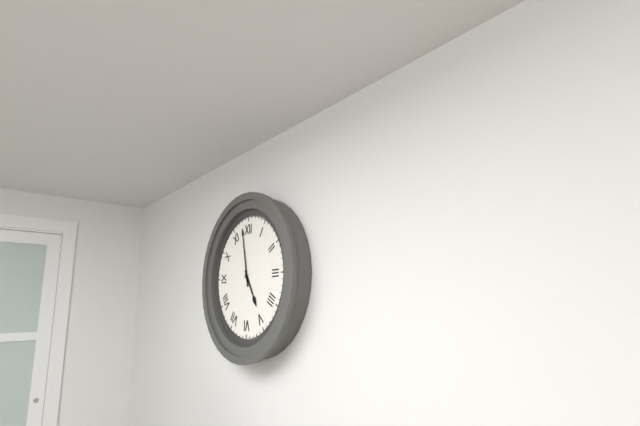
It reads {"hour": 4, "minute": 58}
